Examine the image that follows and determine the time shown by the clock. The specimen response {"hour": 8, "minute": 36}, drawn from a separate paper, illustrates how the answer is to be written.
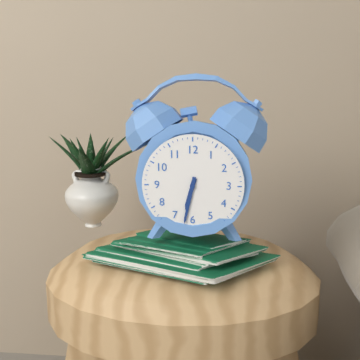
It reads {"hour": 6, "minute": 32}
